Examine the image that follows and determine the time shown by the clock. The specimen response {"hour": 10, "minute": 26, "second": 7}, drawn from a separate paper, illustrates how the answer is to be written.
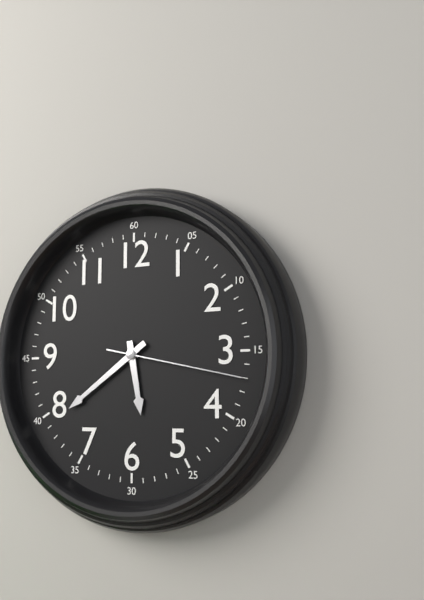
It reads {"hour": 5, "minute": 39, "second": 17}
